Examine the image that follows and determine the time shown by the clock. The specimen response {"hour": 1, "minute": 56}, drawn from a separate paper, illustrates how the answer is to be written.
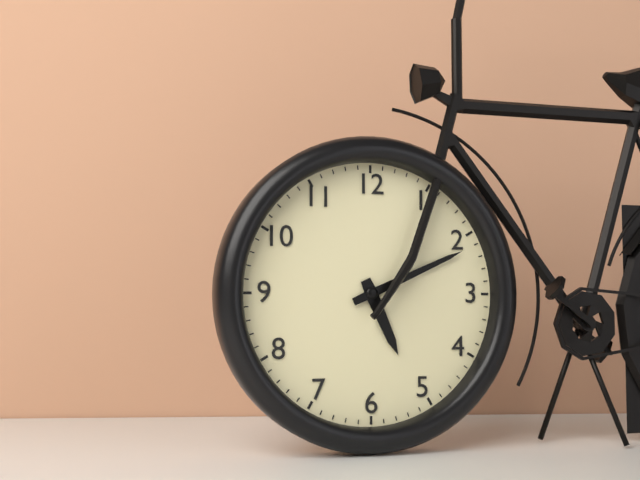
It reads {"hour": 5, "minute": 11}
